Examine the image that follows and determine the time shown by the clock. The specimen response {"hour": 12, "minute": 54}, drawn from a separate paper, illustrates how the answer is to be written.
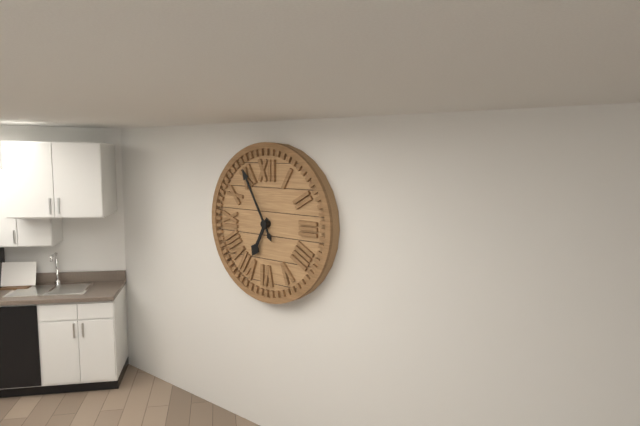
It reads {"hour": 6, "minute": 55}
